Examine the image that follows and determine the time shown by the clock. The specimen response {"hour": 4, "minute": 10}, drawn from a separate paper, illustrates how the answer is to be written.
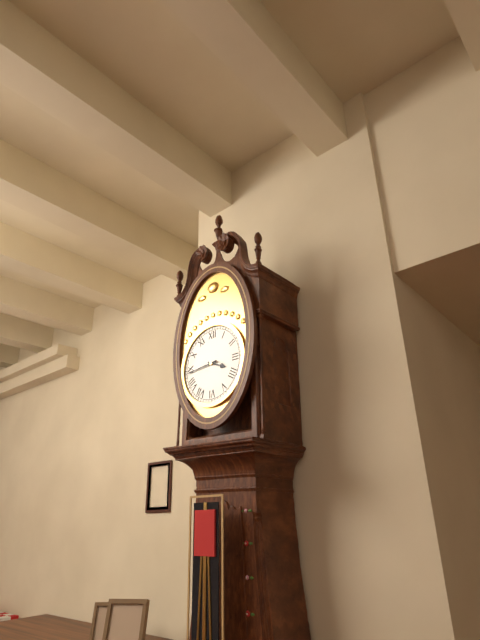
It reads {"hour": 3, "minute": 44}
